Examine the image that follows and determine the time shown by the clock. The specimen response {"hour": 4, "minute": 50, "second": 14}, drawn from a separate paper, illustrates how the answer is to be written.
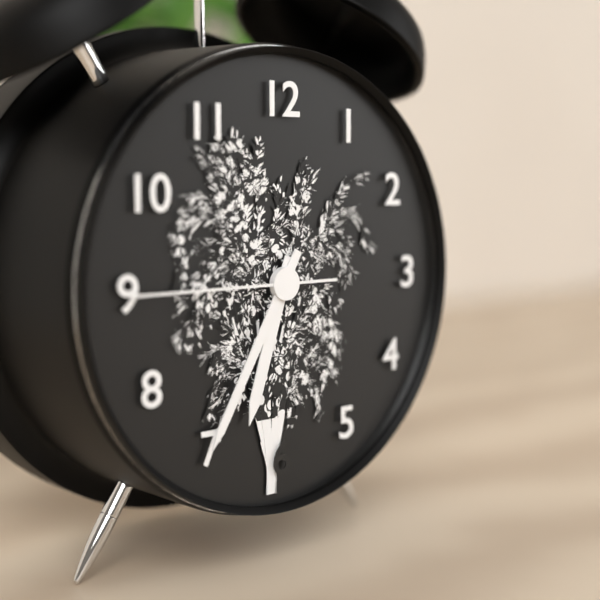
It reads {"hour": 6, "minute": 35, "second": 45}
